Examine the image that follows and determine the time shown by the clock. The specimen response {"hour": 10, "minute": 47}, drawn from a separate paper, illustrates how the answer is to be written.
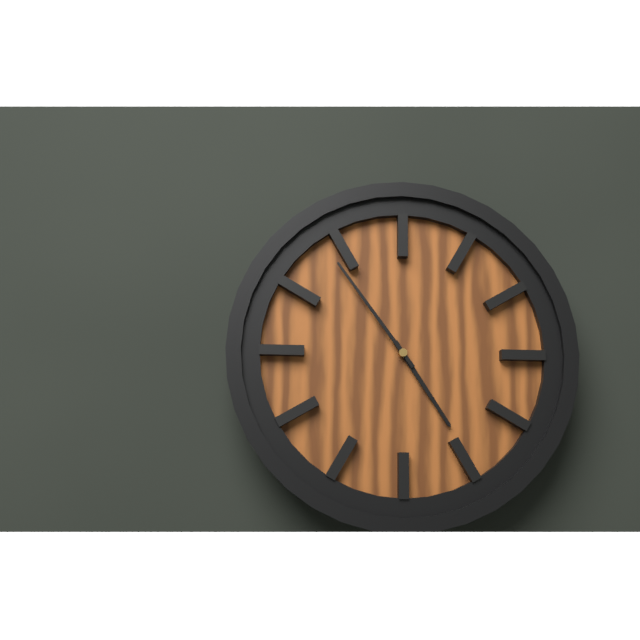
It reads {"hour": 4, "minute": 54}
